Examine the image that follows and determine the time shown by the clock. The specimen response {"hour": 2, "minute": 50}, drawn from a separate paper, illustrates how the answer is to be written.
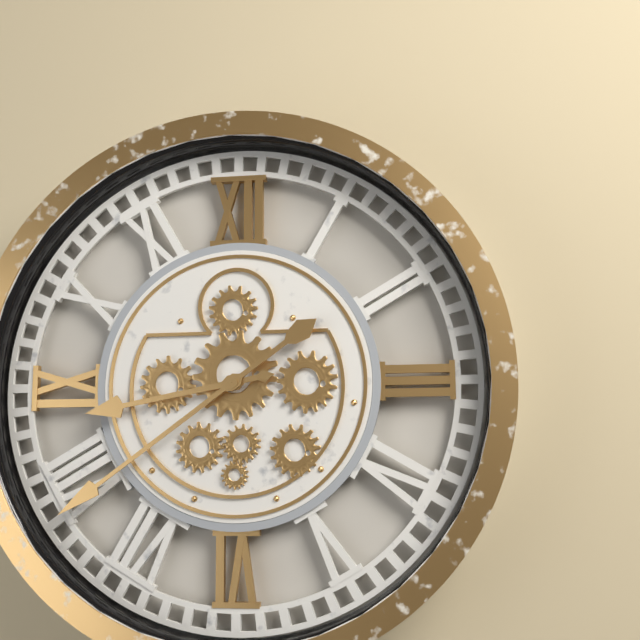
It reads {"hour": 8, "minute": 39}
